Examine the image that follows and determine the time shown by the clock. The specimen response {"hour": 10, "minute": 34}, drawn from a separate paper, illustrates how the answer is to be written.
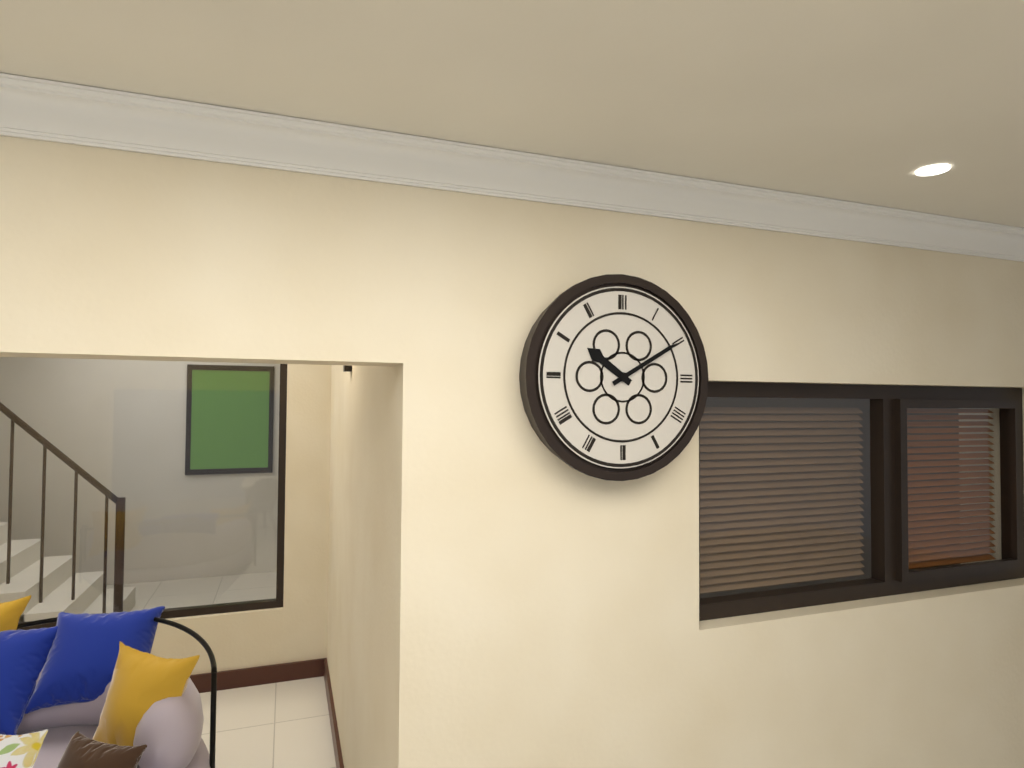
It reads {"hour": 10, "minute": 10}
